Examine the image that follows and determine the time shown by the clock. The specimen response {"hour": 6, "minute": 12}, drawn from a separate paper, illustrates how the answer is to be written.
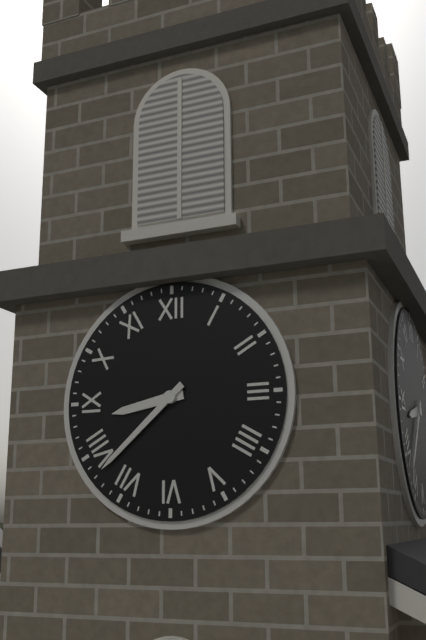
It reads {"hour": 8, "minute": 38}
